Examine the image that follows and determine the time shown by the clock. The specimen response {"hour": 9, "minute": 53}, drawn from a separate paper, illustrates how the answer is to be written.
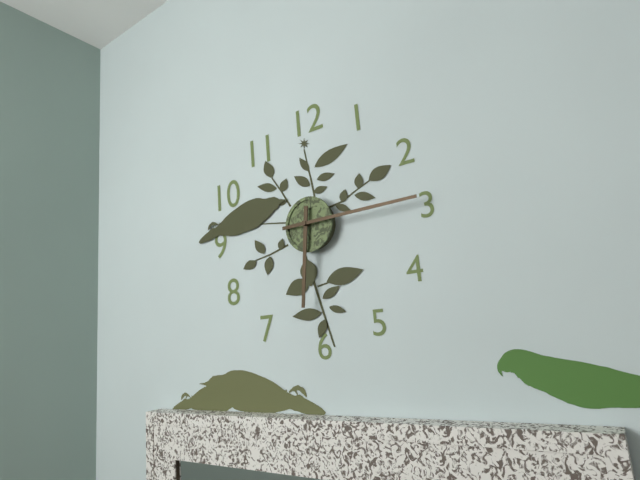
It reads {"hour": 6, "minute": 15}
